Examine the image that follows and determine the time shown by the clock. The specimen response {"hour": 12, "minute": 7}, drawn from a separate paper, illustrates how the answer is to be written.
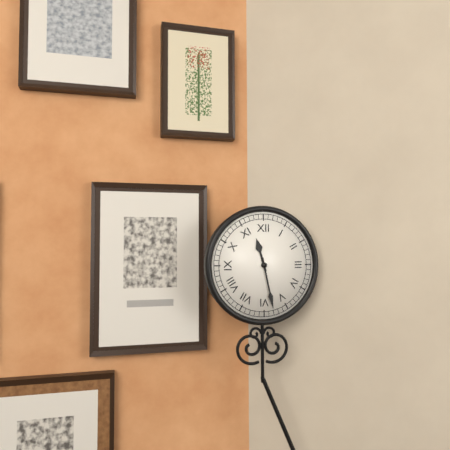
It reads {"hour": 11, "minute": 28}
